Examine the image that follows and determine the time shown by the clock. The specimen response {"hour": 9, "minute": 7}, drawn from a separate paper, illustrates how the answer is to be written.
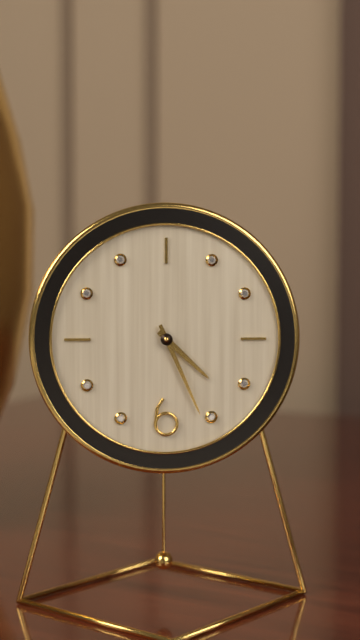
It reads {"hour": 4, "minute": 26}
